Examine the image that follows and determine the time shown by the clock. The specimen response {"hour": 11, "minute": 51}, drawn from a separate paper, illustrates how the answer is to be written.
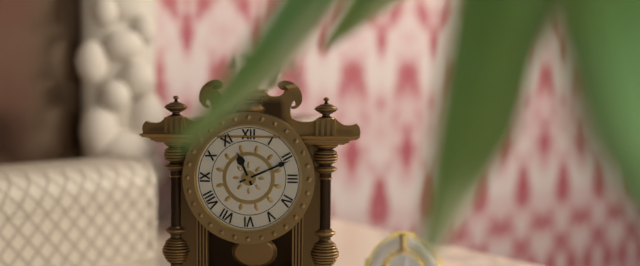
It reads {"hour": 11, "minute": 11}
